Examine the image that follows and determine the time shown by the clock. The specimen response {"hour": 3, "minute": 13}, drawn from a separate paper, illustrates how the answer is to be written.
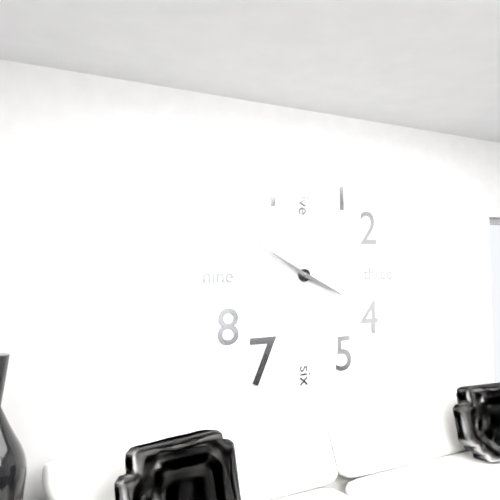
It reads {"hour": 3, "minute": 50}
